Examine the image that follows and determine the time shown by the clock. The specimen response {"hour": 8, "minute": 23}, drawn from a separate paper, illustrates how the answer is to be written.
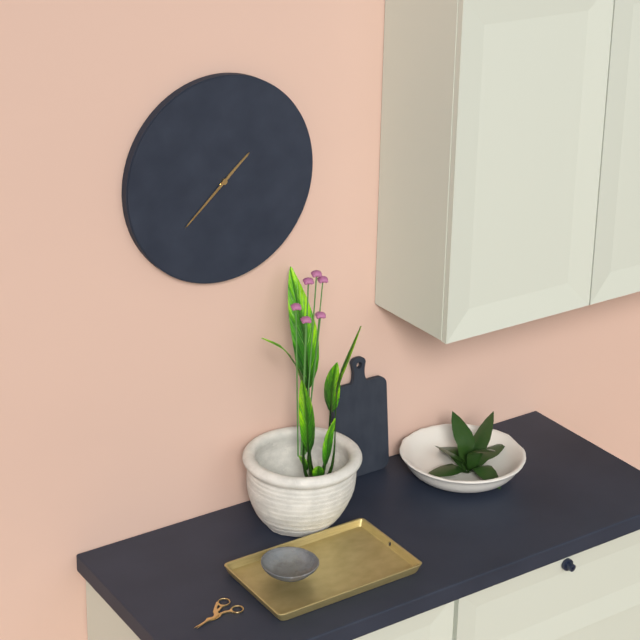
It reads {"hour": 1, "minute": 38}
